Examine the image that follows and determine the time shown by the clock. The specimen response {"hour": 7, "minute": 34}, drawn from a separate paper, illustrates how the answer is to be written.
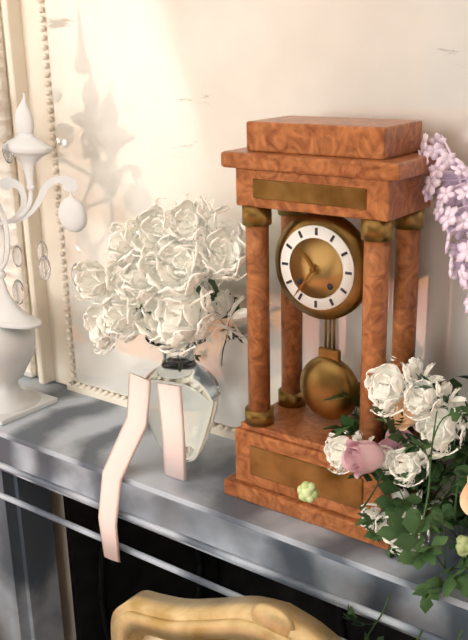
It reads {"hour": 10, "minute": 36}
